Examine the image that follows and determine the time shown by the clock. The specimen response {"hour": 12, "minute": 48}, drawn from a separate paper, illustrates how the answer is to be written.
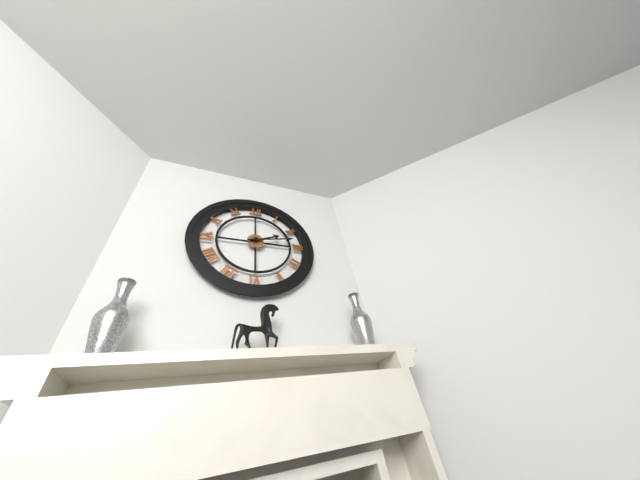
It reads {"hour": 2, "minute": 13}
